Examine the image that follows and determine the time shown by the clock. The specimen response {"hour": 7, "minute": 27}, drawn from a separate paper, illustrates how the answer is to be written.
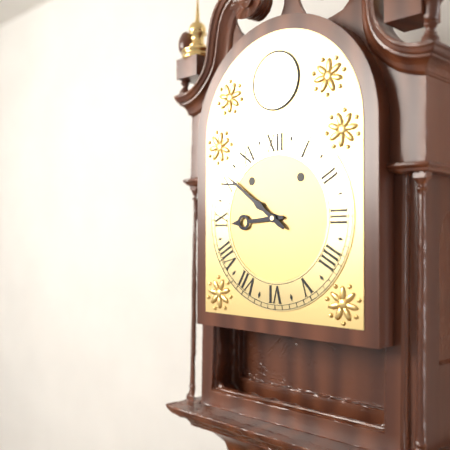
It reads {"hour": 8, "minute": 51}
